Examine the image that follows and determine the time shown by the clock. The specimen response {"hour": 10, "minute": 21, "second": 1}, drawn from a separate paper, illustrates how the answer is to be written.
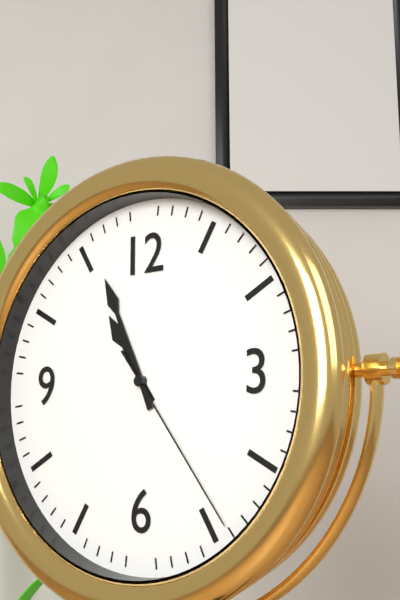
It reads {"hour": 10, "minute": 56, "second": 24}
